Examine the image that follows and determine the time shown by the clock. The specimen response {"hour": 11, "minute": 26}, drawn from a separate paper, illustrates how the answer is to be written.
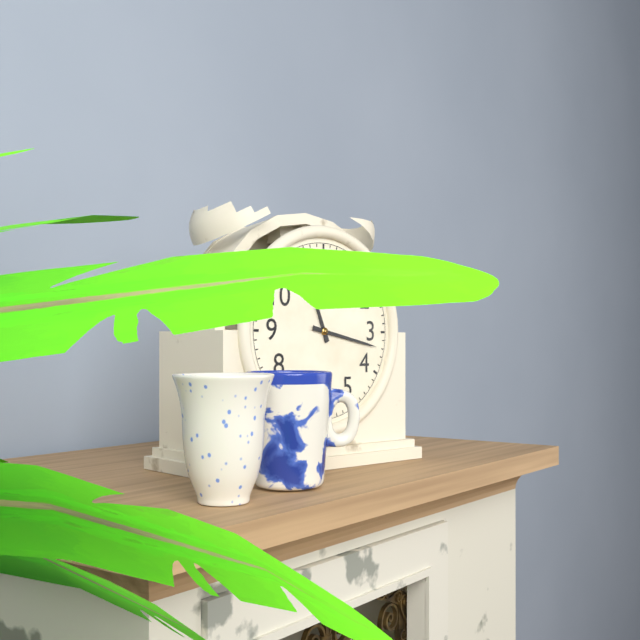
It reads {"hour": 11, "minute": 17}
